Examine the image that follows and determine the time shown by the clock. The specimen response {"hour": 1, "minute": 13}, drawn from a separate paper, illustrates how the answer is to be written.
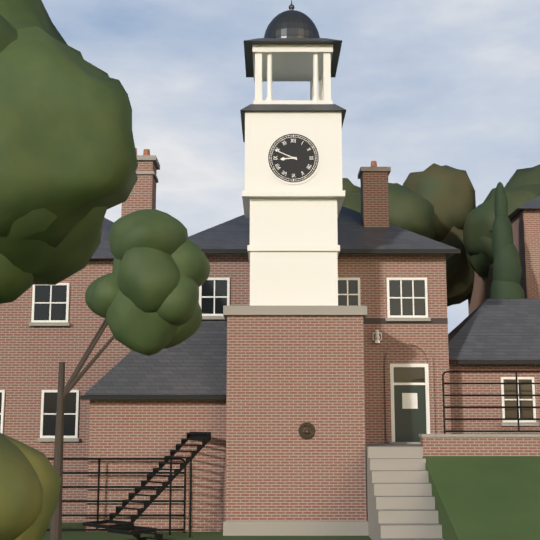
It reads {"hour": 8, "minute": 49}
